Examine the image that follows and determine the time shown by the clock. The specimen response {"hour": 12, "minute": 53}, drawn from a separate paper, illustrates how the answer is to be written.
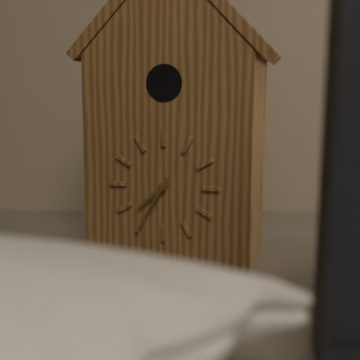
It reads {"hour": 7, "minute": 35}
